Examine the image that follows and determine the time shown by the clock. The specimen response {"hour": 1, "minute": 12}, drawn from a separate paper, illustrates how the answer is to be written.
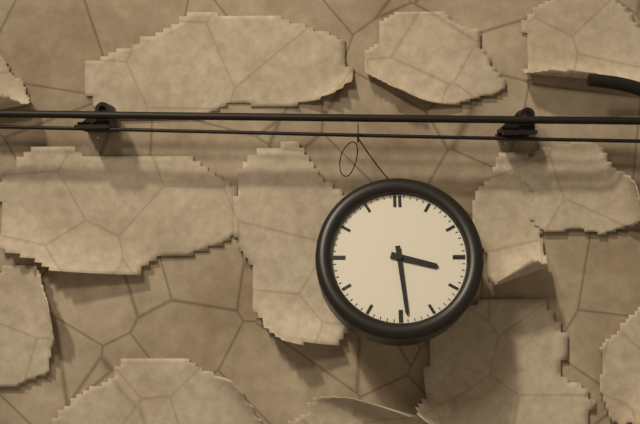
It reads {"hour": 3, "minute": 29}
